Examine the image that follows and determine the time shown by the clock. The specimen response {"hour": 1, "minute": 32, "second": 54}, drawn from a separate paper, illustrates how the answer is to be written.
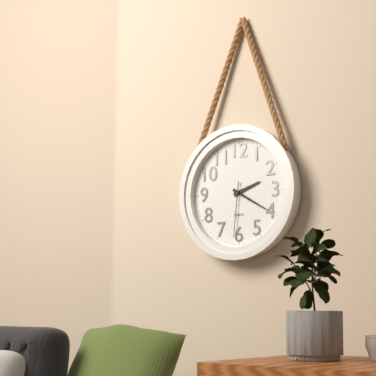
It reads {"hour": 2, "minute": 20, "second": 31}
